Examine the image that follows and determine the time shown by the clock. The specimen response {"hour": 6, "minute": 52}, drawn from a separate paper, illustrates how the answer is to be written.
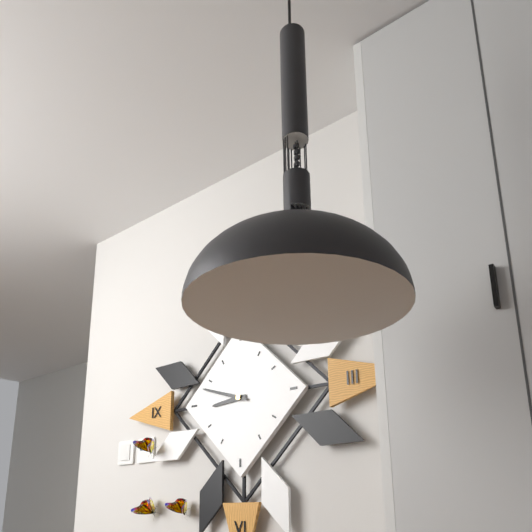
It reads {"hour": 8, "minute": 48}
